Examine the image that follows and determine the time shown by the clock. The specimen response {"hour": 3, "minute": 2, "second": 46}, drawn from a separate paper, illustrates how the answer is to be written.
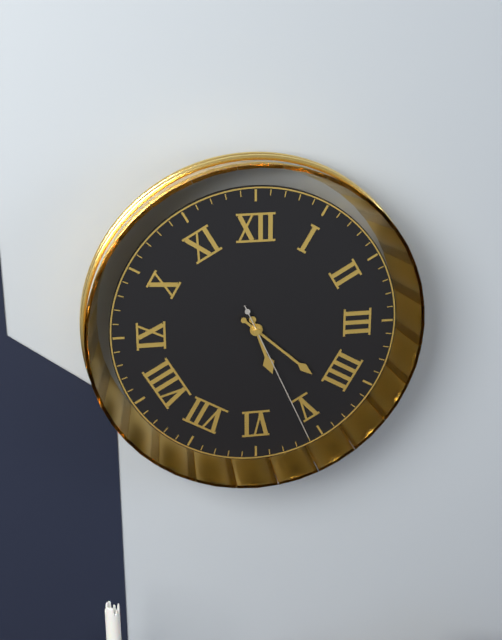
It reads {"hour": 5, "minute": 22, "second": 26}
